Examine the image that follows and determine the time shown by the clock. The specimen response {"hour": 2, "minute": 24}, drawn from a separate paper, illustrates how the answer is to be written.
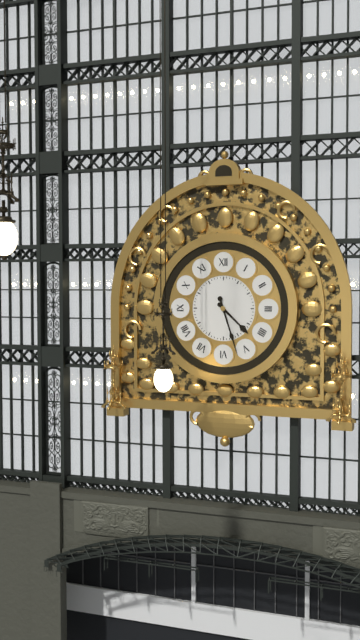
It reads {"hour": 4, "minute": 27}
